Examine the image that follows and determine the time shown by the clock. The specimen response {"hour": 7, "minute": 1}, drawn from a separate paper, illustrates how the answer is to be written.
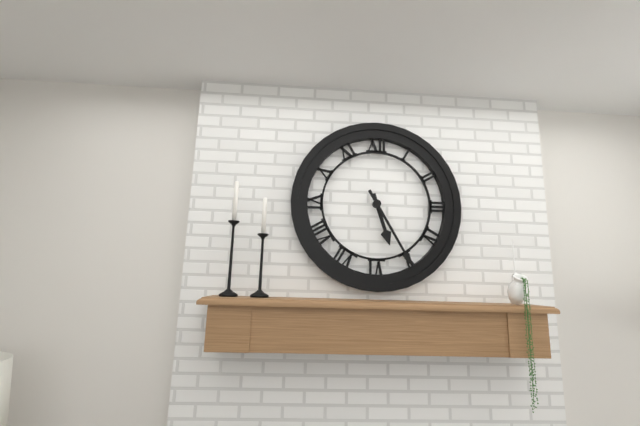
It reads {"hour": 5, "minute": 25}
